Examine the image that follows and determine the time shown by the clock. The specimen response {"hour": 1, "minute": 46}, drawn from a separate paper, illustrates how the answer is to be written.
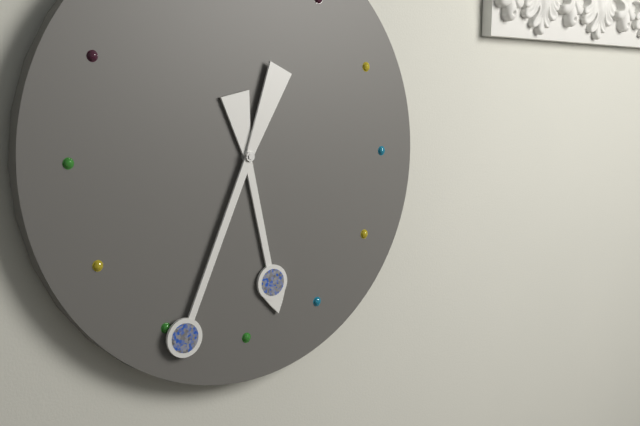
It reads {"hour": 5, "minute": 34}
